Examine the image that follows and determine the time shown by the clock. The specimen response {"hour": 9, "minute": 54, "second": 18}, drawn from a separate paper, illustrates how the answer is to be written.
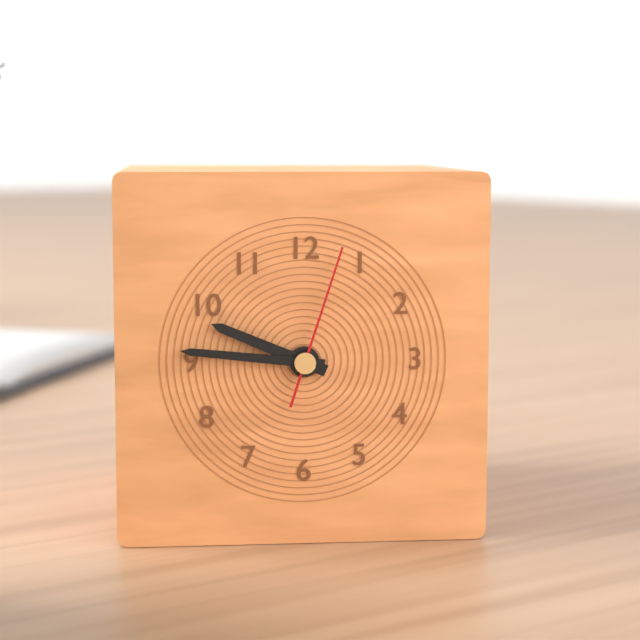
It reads {"hour": 9, "minute": 46, "second": 3}
